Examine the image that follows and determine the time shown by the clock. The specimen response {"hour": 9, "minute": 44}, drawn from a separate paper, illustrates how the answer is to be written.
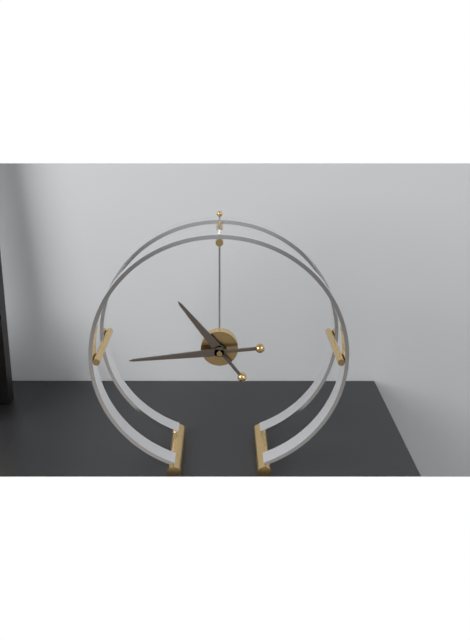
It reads {"hour": 10, "minute": 44}
